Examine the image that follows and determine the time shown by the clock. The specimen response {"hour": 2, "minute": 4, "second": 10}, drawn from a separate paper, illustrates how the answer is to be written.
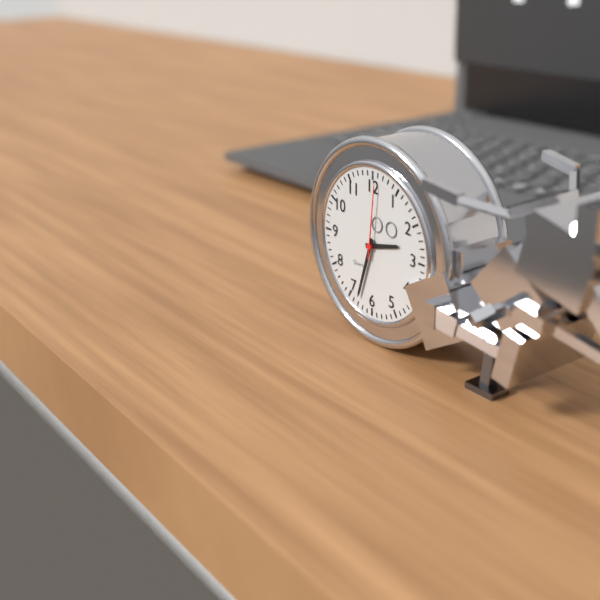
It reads {"hour": 2, "minute": 33, "second": 1}
